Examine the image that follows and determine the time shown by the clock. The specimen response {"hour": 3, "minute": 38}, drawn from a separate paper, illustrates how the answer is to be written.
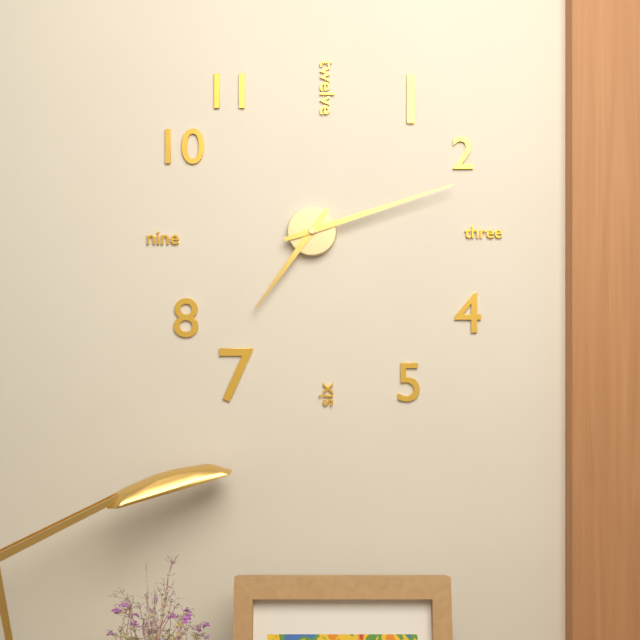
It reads {"hour": 7, "minute": 12}
